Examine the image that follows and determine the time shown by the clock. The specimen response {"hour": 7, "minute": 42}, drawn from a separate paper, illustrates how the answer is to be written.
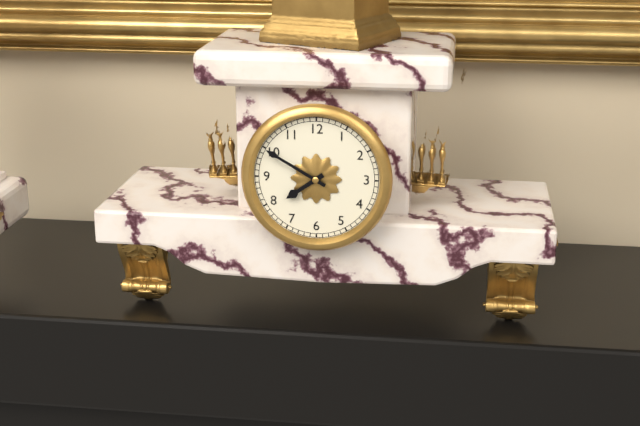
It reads {"hour": 7, "minute": 50}
